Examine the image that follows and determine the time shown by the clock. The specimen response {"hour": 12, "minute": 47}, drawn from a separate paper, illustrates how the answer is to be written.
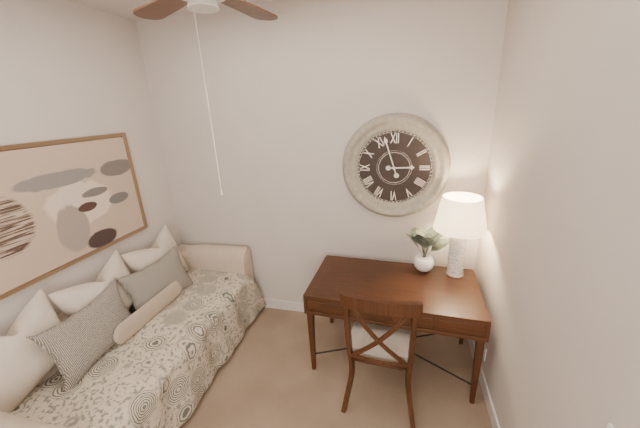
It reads {"hour": 2, "minute": 57}
